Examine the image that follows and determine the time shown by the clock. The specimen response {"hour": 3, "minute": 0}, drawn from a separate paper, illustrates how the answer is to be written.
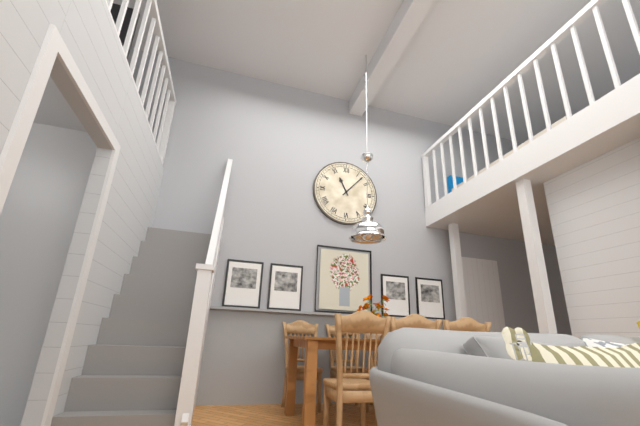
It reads {"hour": 11, "minute": 7}
